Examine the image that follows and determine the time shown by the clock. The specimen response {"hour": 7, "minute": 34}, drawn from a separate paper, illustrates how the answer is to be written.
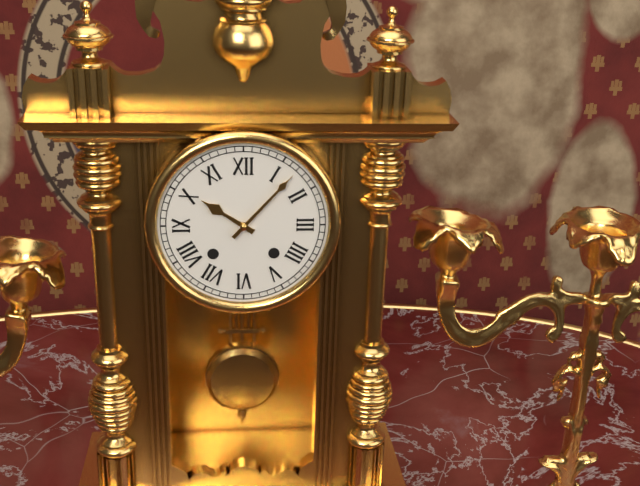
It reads {"hour": 10, "minute": 7}
